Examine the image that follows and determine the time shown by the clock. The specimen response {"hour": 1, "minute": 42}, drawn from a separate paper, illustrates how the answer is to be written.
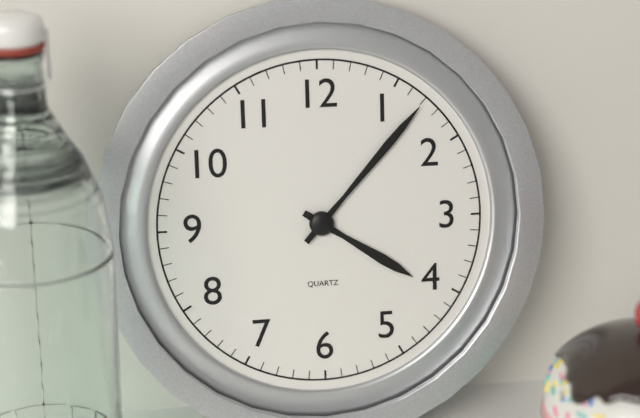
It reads {"hour": 4, "minute": 7}
